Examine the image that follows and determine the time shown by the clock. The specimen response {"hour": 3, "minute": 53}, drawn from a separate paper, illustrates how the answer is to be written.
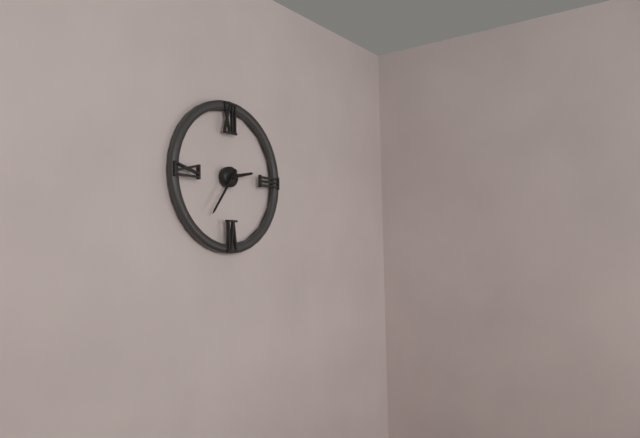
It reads {"hour": 2, "minute": 36}
